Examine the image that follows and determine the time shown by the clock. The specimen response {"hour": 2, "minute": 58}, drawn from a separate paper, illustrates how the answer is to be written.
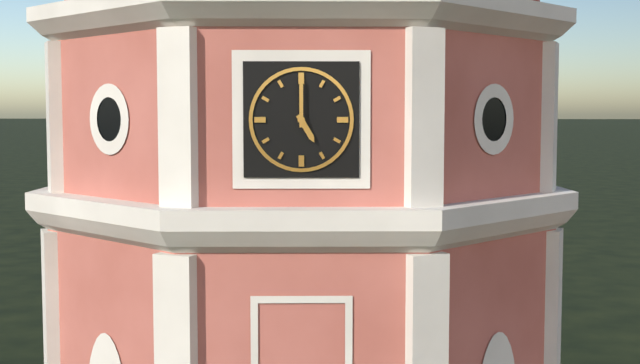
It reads {"hour": 5, "minute": 0}
